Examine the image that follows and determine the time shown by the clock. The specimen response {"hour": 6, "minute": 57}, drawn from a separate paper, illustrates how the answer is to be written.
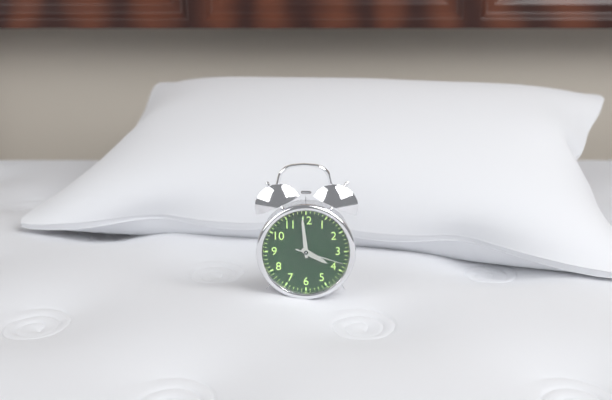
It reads {"hour": 3, "minute": 59}
